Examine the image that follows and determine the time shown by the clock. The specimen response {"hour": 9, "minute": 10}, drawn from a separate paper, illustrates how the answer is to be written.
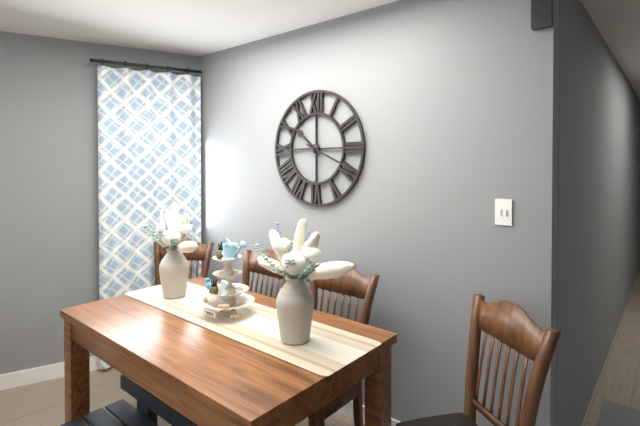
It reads {"hour": 10, "minute": 19}
